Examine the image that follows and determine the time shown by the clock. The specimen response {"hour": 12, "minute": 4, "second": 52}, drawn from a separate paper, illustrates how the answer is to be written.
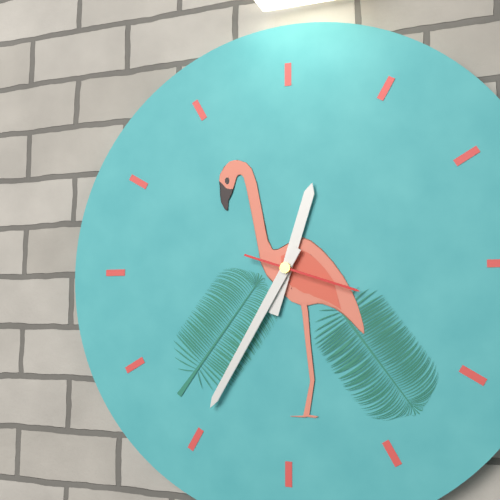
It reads {"hour": 12, "minute": 35, "second": 18}
